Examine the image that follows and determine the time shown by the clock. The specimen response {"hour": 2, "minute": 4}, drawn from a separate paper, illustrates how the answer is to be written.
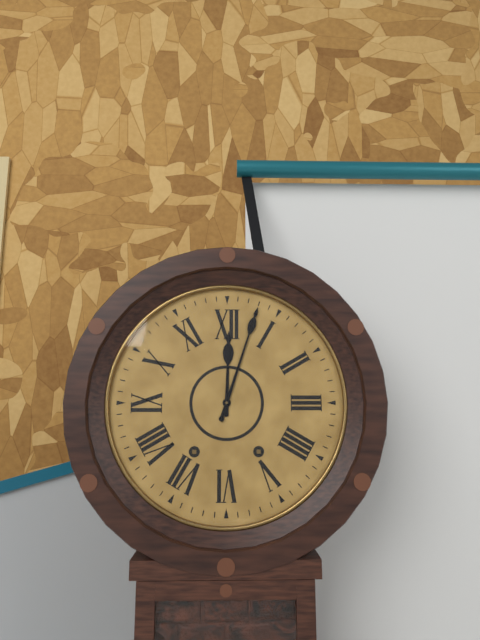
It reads {"hour": 12, "minute": 3}
